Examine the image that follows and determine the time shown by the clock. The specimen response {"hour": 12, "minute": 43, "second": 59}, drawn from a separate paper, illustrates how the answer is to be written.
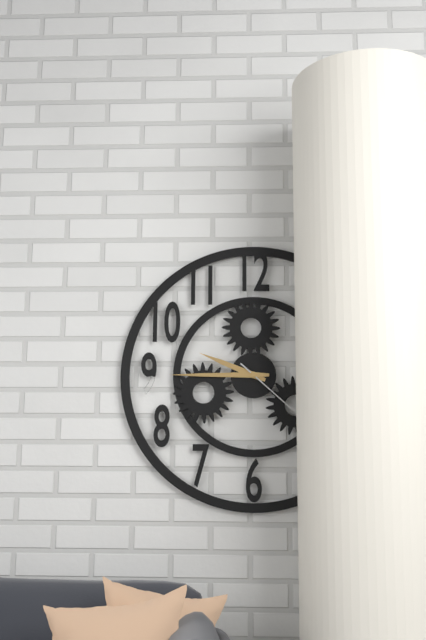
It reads {"hour": 9, "minute": 45, "second": 22}
